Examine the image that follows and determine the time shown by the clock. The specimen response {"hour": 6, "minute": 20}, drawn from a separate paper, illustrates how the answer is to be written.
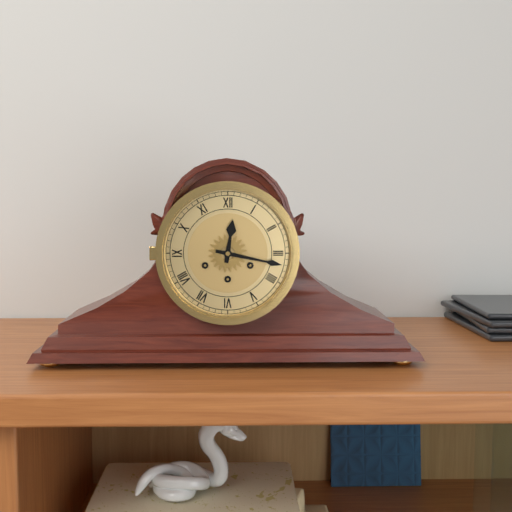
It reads {"hour": 12, "minute": 17}
